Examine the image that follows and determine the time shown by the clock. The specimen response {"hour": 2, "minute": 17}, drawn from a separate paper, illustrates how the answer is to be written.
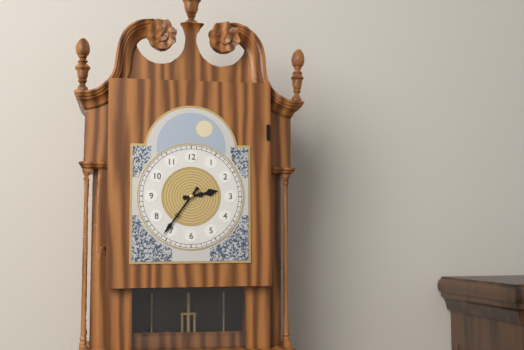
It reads {"hour": 2, "minute": 36}
